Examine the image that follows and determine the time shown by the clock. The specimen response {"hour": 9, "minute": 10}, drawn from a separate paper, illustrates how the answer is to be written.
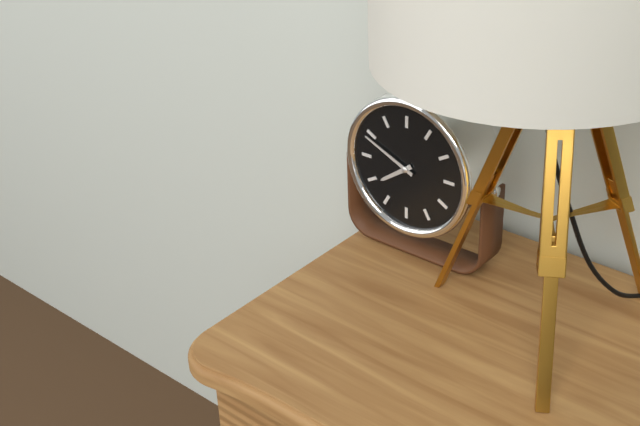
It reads {"hour": 7, "minute": 49}
